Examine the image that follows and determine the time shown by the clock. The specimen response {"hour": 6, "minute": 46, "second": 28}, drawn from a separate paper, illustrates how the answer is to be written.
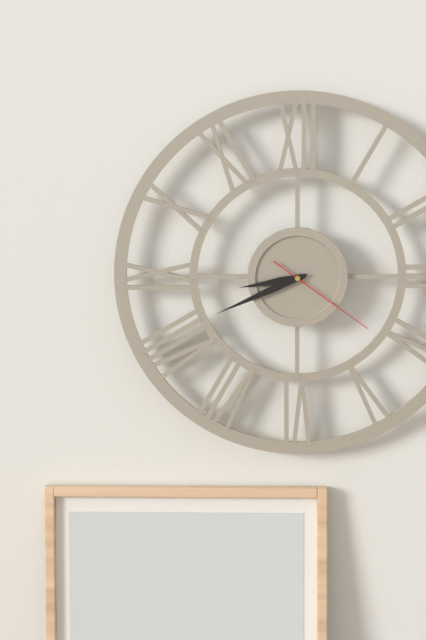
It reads {"hour": 8, "minute": 41, "second": 21}
